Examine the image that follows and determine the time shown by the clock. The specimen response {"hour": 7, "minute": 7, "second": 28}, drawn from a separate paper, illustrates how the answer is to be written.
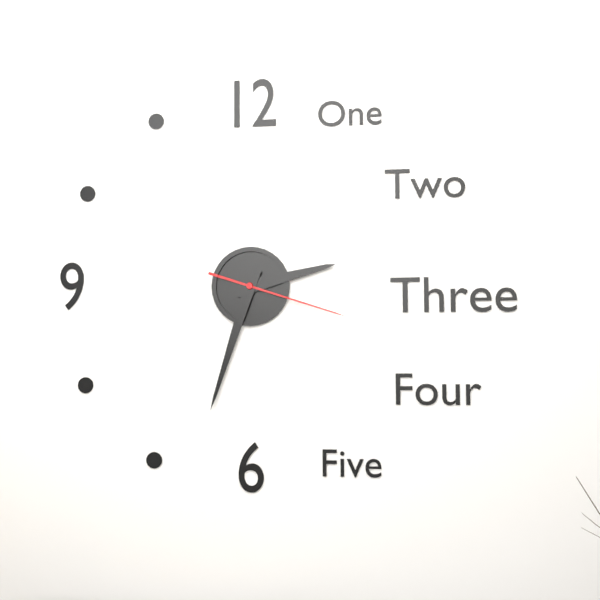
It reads {"hour": 2, "minute": 33, "second": 18}
